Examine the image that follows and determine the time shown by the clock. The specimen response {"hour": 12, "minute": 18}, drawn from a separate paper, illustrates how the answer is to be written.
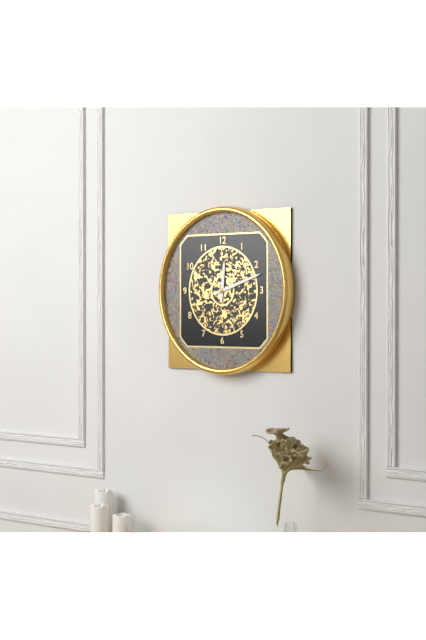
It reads {"hour": 12, "minute": 12}
